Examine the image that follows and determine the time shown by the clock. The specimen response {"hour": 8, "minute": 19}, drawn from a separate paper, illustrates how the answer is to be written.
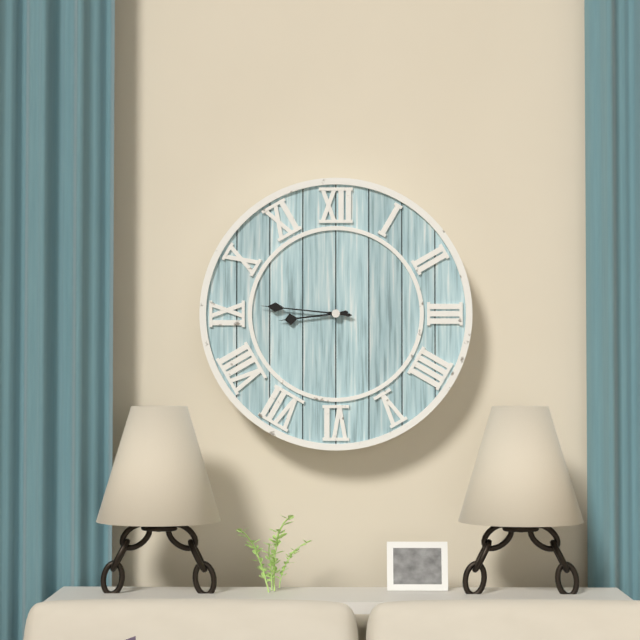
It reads {"hour": 8, "minute": 46}
